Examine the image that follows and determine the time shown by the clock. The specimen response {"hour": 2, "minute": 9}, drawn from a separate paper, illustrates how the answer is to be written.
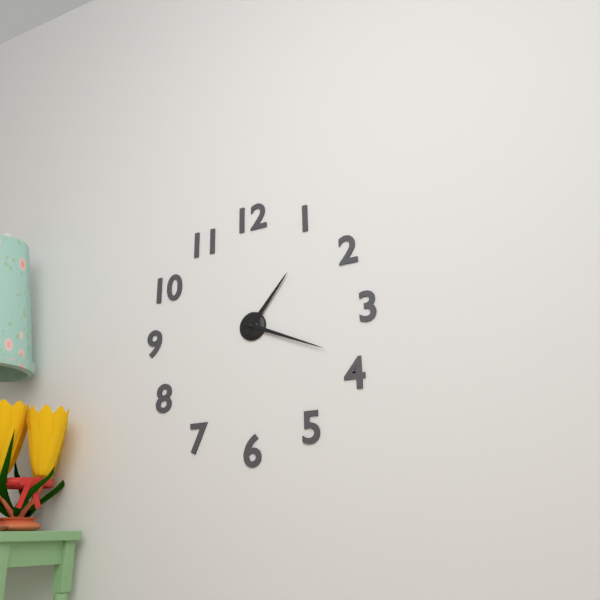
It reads {"hour": 1, "minute": 19}
